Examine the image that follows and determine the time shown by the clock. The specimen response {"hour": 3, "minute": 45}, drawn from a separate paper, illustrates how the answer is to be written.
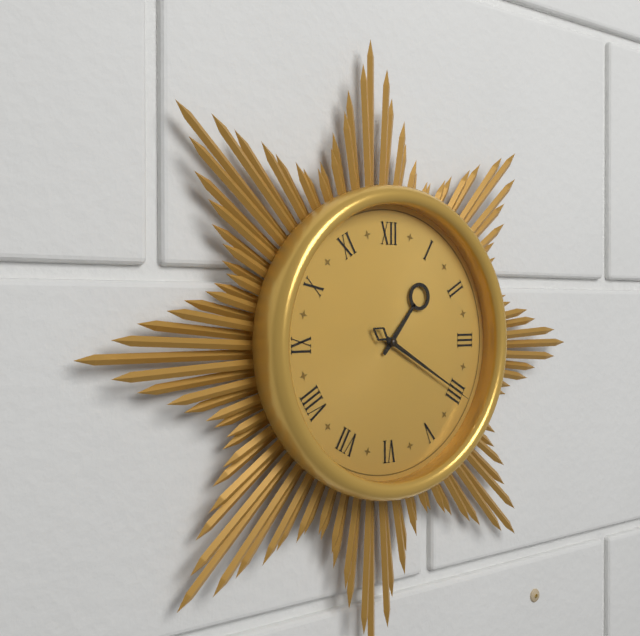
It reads {"hour": 1, "minute": 20}
